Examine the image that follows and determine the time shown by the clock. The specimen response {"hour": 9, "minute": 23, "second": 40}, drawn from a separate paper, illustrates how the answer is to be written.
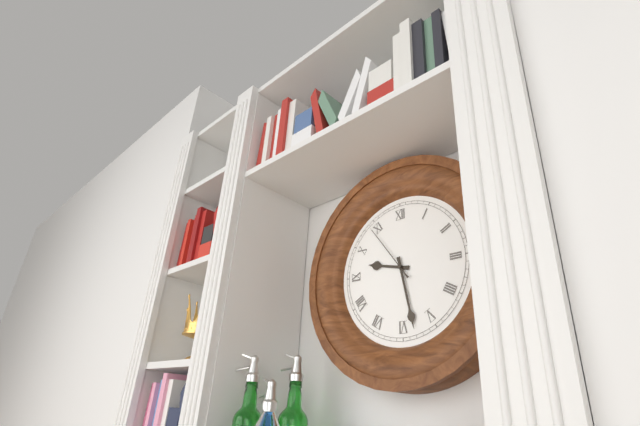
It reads {"hour": 9, "minute": 28, "second": 54}
